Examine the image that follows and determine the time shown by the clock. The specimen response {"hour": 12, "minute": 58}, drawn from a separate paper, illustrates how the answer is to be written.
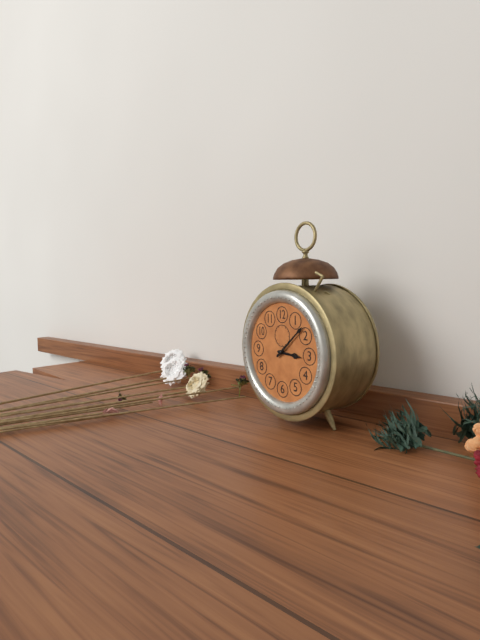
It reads {"hour": 3, "minute": 8}
